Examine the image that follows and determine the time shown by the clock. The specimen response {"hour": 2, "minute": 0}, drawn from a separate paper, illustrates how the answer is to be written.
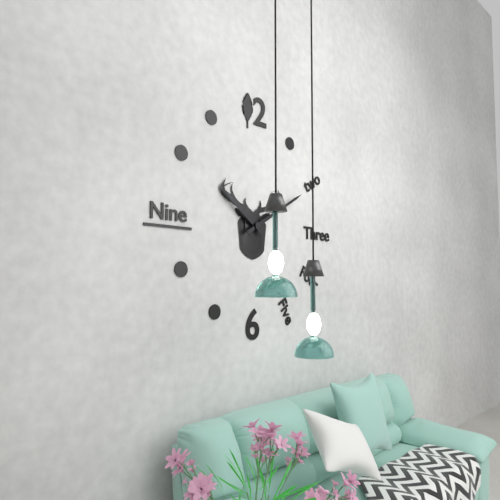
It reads {"hour": 10, "minute": 10}
